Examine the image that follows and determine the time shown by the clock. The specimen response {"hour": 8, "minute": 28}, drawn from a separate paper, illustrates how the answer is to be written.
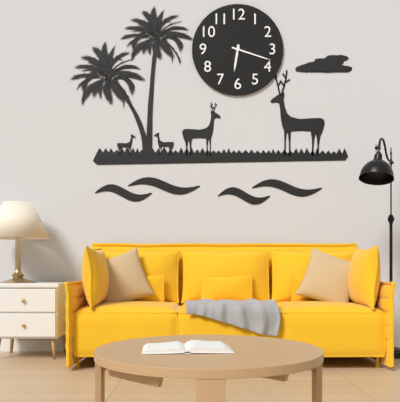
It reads {"hour": 6, "minute": 18}
